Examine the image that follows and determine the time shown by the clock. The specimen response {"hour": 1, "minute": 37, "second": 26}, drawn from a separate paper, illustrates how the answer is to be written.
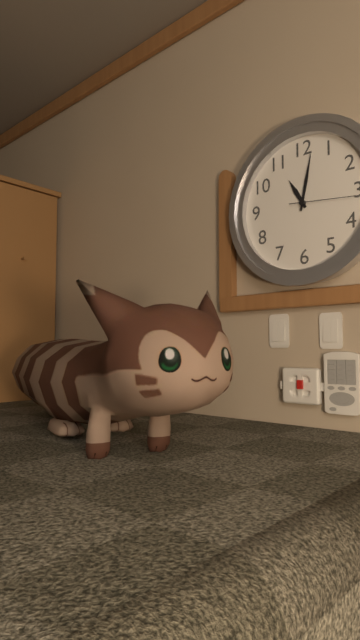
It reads {"hour": 11, "minute": 2, "second": 16}
